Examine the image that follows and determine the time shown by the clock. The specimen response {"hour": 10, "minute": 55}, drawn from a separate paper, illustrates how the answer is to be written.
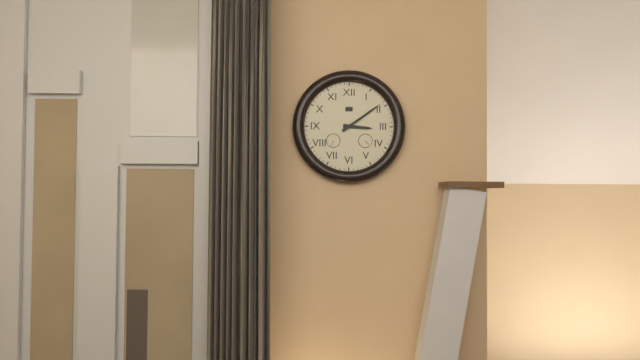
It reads {"hour": 3, "minute": 9}
